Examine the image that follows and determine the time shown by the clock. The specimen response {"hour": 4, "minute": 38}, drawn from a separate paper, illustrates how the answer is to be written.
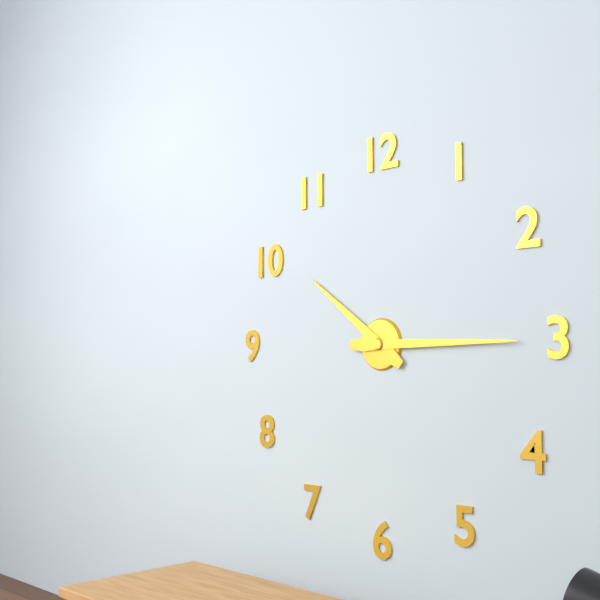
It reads {"hour": 10, "minute": 15}
